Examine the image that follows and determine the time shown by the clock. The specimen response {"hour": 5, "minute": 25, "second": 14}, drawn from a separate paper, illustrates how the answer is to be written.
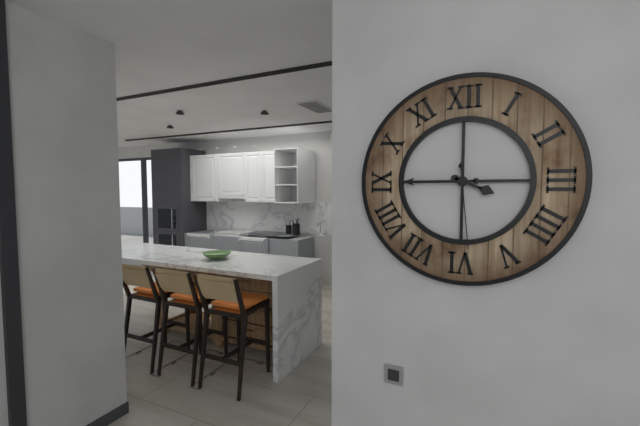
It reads {"hour": 3, "minute": 45, "second": 29}
